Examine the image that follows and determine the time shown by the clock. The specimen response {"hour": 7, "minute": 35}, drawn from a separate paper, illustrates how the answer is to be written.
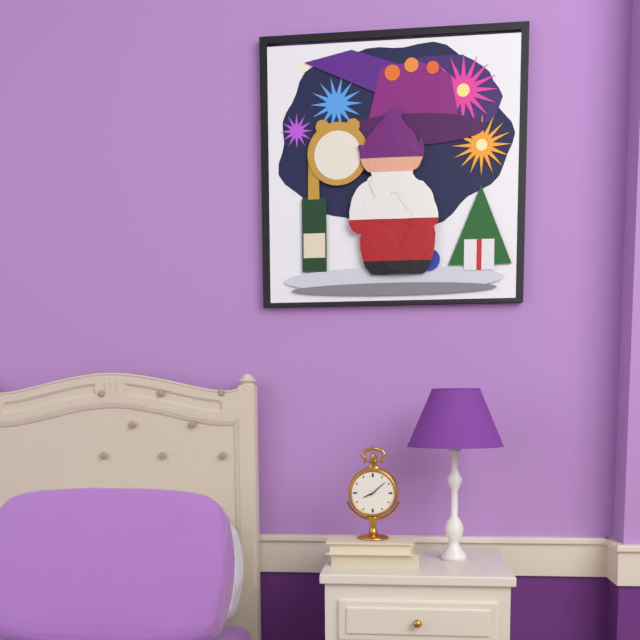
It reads {"hour": 8, "minute": 8}
